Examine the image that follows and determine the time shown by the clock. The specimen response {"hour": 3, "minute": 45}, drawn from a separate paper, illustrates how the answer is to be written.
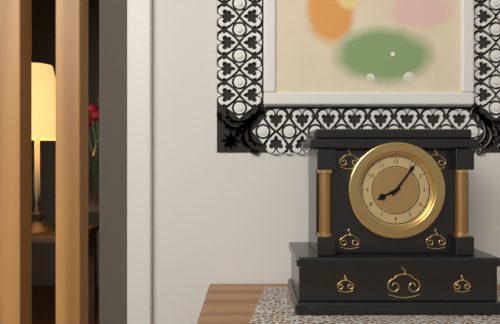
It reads {"hour": 8, "minute": 6}
